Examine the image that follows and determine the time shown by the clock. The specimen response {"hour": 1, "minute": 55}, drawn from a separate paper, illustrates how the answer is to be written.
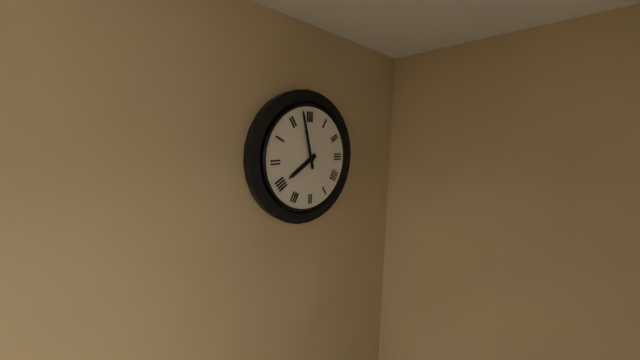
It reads {"hour": 7, "minute": 58}
